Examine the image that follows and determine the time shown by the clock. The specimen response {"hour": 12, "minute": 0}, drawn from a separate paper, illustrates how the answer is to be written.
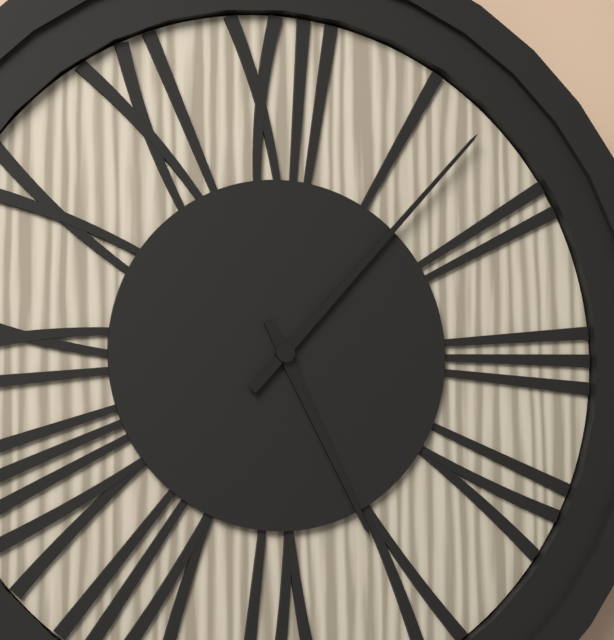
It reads {"hour": 5, "minute": 7}
